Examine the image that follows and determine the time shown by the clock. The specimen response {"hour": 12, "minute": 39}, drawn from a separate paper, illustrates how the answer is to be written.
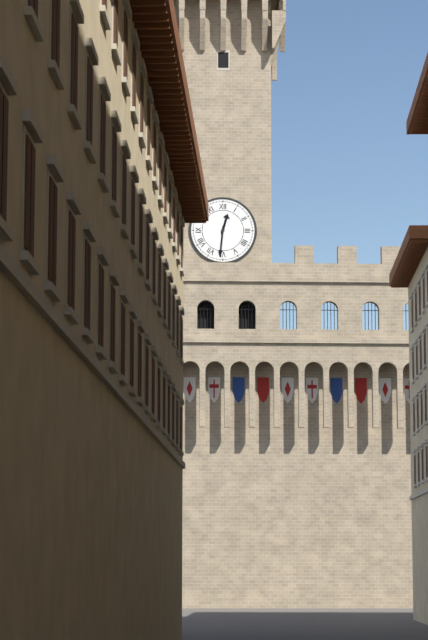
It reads {"hour": 12, "minute": 31}
